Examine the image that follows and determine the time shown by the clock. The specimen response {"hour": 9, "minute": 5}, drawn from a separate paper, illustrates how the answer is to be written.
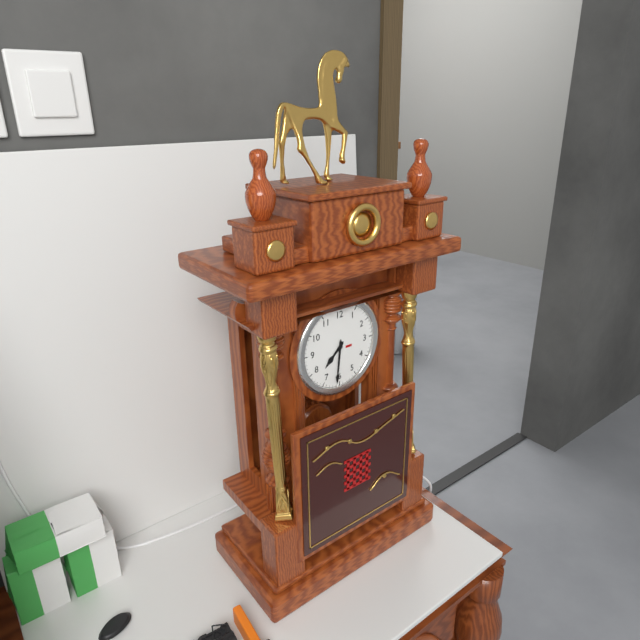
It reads {"hour": 7, "minute": 31}
